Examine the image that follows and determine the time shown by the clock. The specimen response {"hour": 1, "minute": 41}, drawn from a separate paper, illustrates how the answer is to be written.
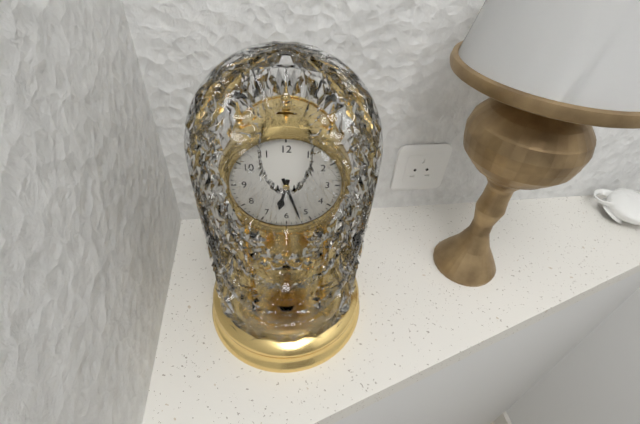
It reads {"hour": 6, "minute": 27}
